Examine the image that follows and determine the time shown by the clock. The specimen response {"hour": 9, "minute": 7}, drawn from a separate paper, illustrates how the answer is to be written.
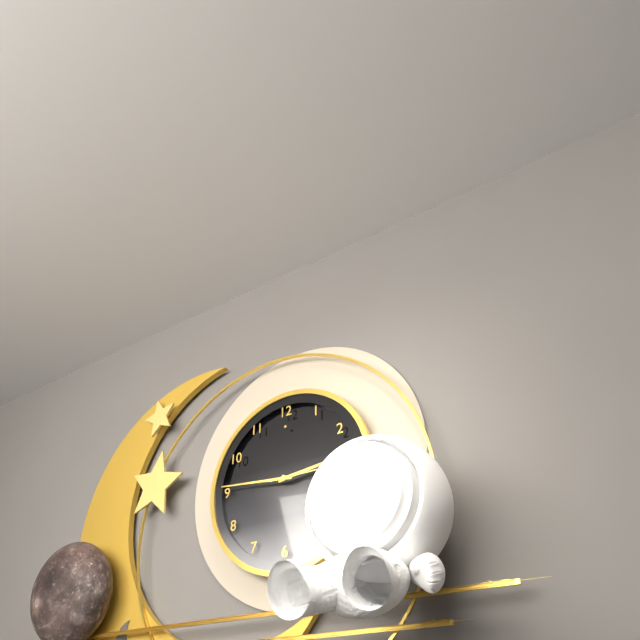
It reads {"hour": 2, "minute": 46}
